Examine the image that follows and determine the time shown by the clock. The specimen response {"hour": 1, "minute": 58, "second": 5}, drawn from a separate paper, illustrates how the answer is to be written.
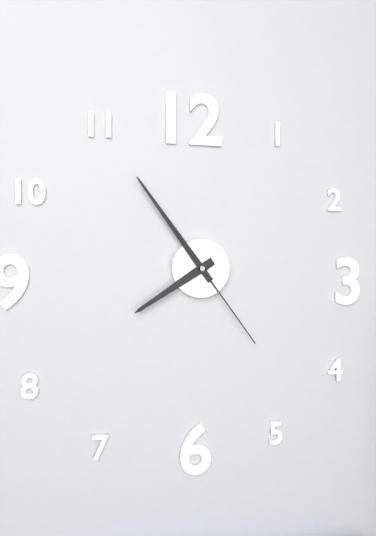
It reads {"hour": 7, "minute": 54, "second": 24}
